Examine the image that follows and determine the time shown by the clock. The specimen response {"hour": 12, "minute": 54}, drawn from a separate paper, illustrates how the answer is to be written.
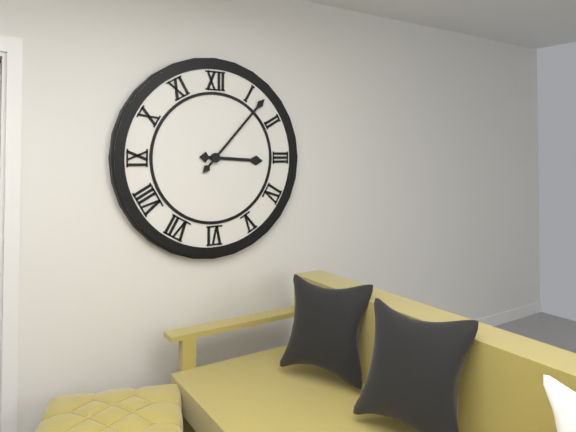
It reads {"hour": 3, "minute": 7}
